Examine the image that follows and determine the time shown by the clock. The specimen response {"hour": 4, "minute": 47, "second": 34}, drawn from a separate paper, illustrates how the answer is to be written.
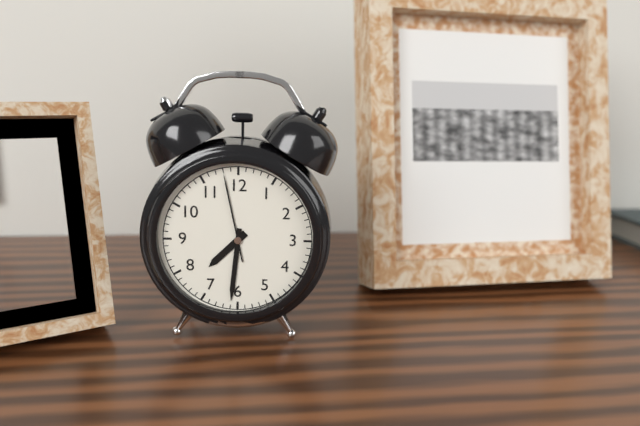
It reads {"hour": 7, "minute": 31, "second": 58}
